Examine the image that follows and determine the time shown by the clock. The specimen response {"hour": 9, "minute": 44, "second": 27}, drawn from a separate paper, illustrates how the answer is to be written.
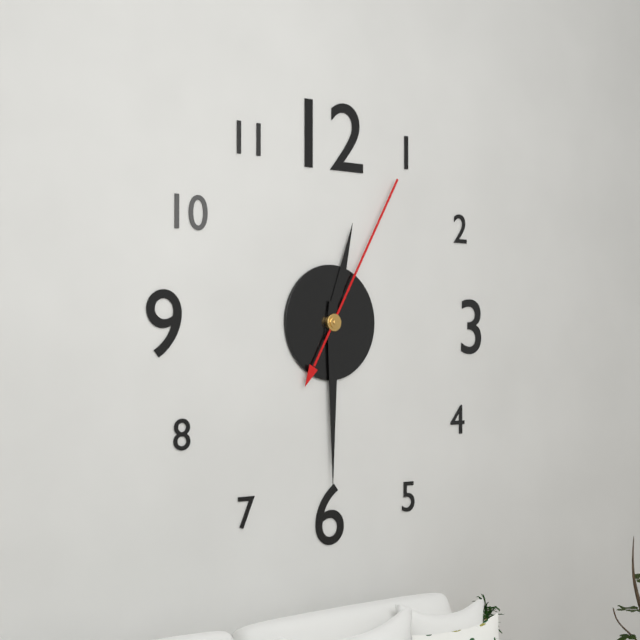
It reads {"hour": 12, "minute": 30, "second": 5}
